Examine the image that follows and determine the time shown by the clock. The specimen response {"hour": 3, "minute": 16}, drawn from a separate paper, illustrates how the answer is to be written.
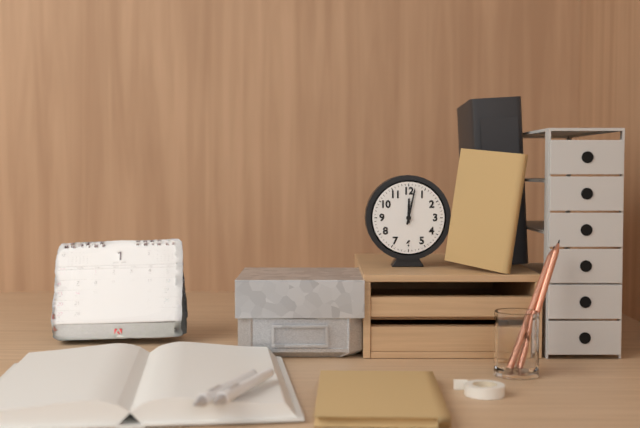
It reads {"hour": 12, "minute": 2}
